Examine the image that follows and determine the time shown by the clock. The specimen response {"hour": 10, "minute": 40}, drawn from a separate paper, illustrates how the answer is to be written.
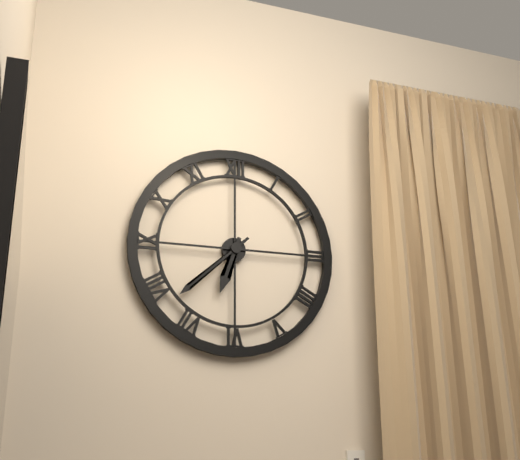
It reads {"hour": 6, "minute": 38}
